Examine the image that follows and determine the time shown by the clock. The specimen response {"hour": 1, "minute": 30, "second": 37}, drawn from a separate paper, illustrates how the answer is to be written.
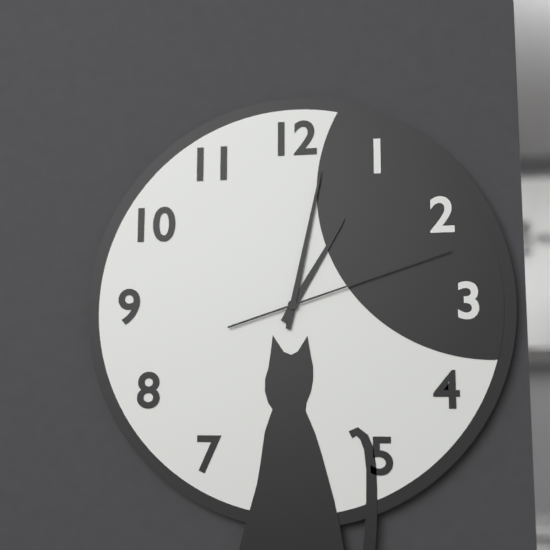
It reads {"hour": 1, "minute": 2, "second": 12}
